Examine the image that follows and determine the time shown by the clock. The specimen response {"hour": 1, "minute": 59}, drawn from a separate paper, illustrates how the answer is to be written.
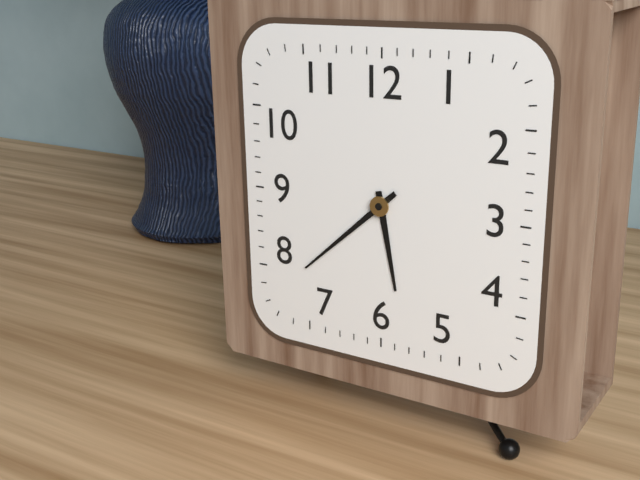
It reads {"hour": 5, "minute": 38}
